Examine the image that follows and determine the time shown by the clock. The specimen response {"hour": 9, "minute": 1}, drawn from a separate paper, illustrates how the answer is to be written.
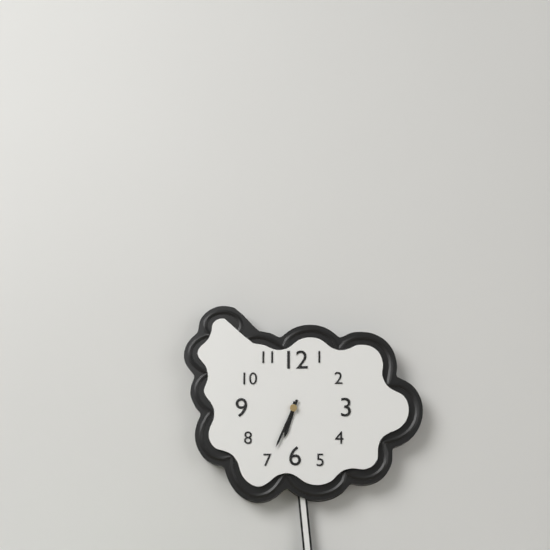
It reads {"hour": 6, "minute": 34}
